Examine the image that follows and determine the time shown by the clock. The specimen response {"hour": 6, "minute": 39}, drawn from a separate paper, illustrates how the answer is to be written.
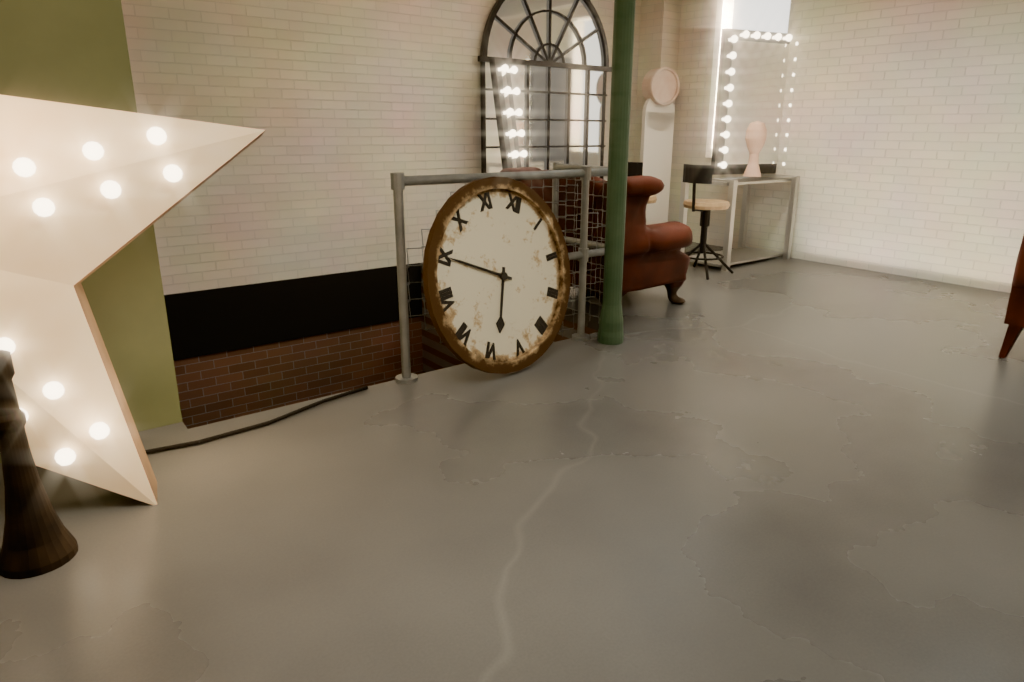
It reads {"hour": 5, "minute": 45}
